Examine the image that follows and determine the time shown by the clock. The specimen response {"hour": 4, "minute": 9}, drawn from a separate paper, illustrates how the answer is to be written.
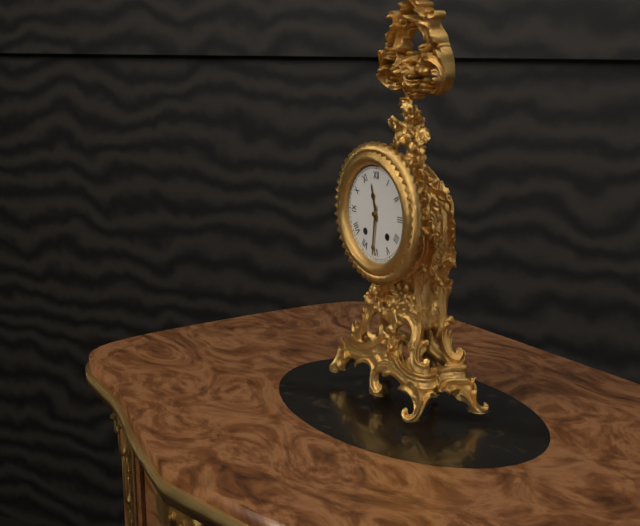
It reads {"hour": 11, "minute": 31}
